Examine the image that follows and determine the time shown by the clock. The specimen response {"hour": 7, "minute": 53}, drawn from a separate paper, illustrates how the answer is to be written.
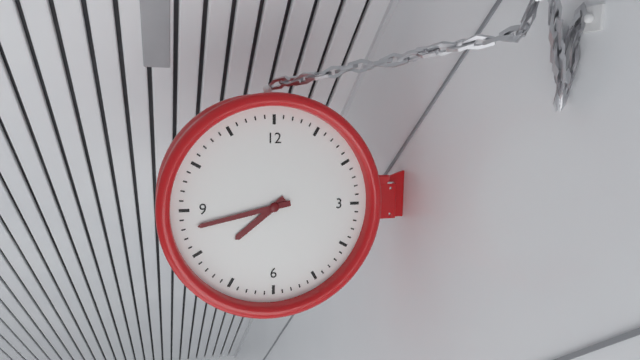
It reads {"hour": 7, "minute": 43}
